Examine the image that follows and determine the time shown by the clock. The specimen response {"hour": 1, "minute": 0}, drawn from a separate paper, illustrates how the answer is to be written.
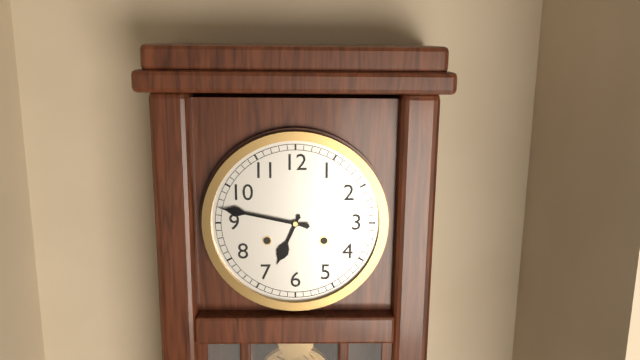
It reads {"hour": 6, "minute": 47}
